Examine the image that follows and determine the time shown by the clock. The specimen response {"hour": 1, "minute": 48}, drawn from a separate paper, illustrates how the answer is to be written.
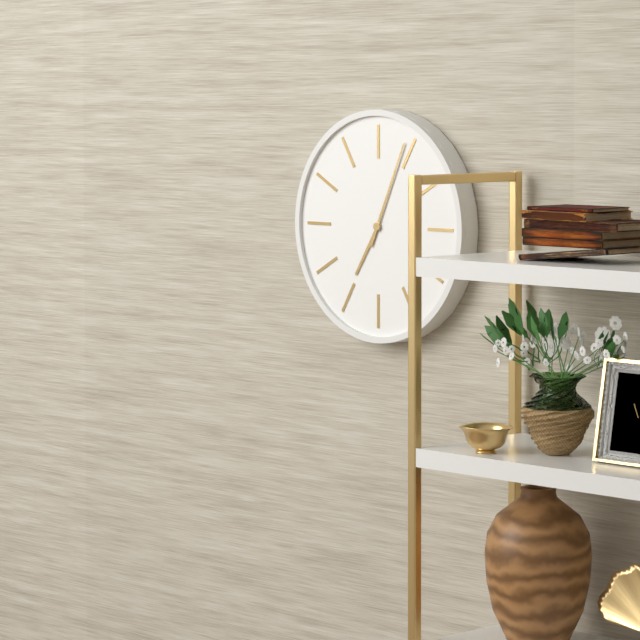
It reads {"hour": 7, "minute": 4}
